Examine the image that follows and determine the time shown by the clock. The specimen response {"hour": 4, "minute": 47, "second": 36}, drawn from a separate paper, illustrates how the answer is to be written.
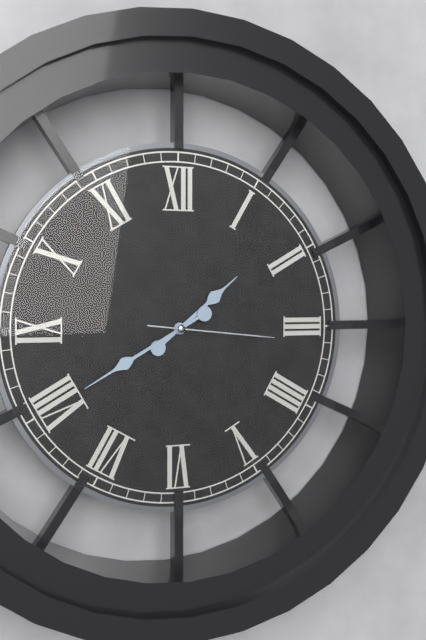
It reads {"hour": 1, "minute": 40, "second": 16}
